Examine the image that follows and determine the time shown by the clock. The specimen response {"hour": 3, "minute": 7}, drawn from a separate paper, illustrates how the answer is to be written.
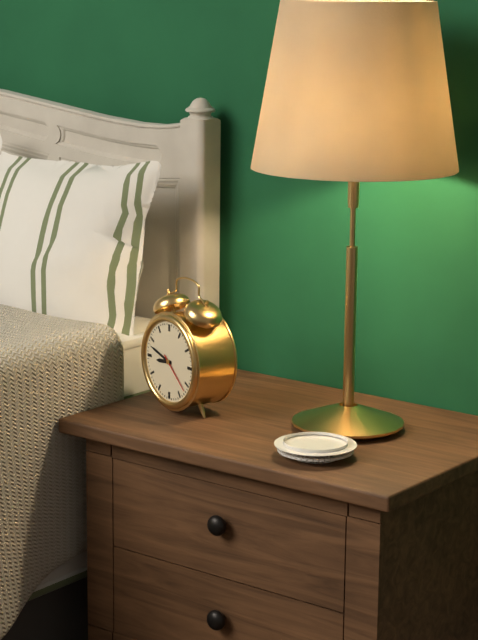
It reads {"hour": 8, "minute": 48}
